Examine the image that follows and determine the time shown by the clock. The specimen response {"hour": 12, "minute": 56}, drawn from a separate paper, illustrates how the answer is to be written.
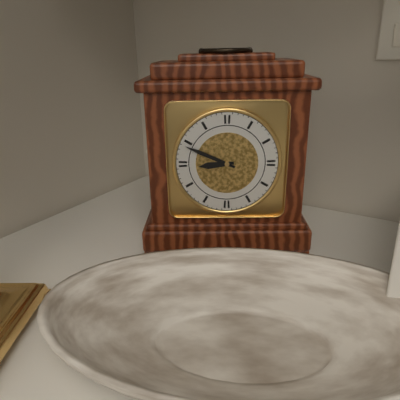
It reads {"hour": 8, "minute": 49}
